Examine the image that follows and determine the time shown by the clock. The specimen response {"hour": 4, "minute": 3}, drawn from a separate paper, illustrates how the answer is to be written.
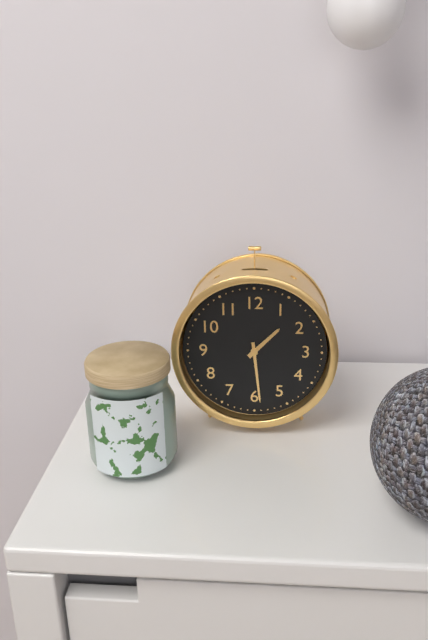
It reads {"hour": 1, "minute": 29}
